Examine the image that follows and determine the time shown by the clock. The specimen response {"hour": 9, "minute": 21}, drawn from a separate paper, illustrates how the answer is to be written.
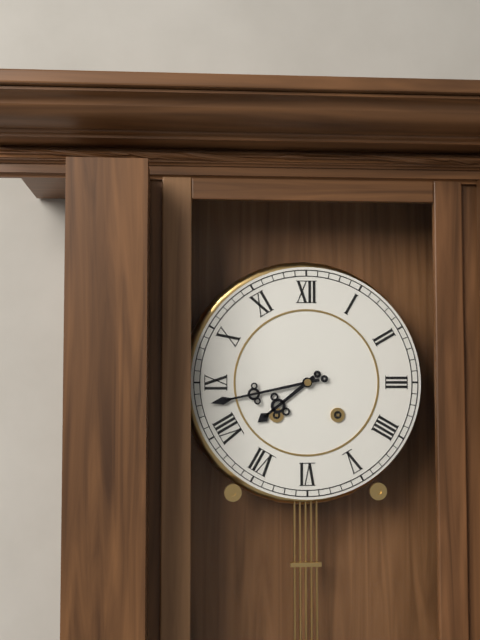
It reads {"hour": 7, "minute": 43}
